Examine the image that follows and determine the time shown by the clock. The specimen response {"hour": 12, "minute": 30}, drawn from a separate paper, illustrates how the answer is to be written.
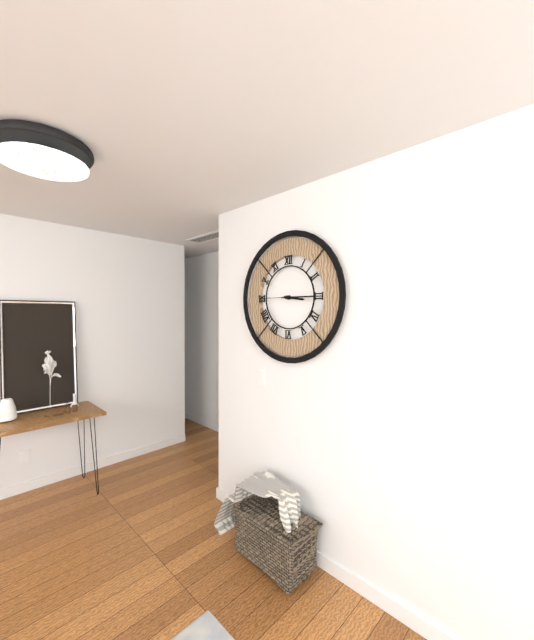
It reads {"hour": 3, "minute": 15}
